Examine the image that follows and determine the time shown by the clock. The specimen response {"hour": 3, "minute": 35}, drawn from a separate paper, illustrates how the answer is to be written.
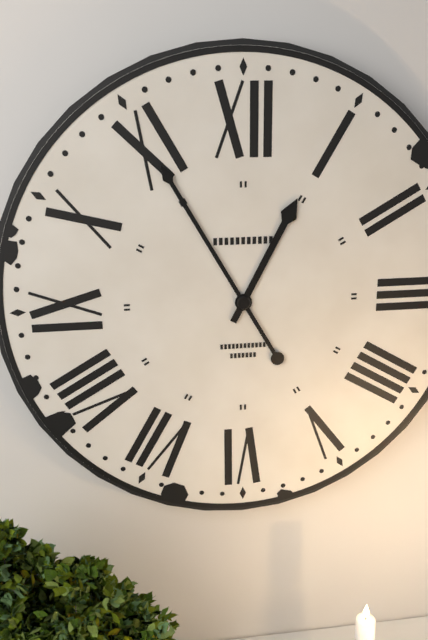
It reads {"hour": 12, "minute": 55}
